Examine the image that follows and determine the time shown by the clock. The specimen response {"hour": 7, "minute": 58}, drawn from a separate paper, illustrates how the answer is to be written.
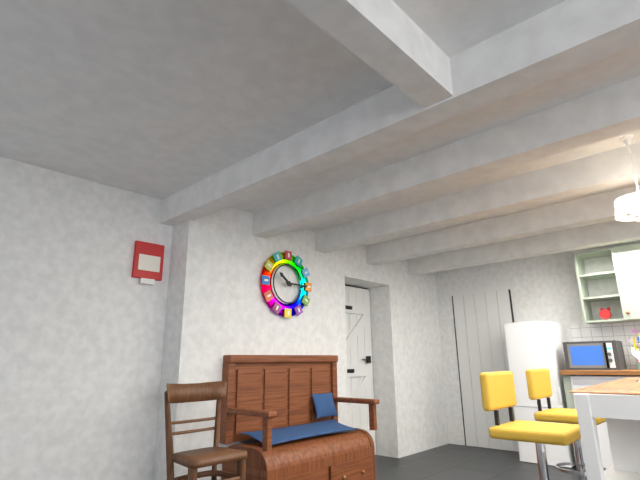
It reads {"hour": 10, "minute": 15}
